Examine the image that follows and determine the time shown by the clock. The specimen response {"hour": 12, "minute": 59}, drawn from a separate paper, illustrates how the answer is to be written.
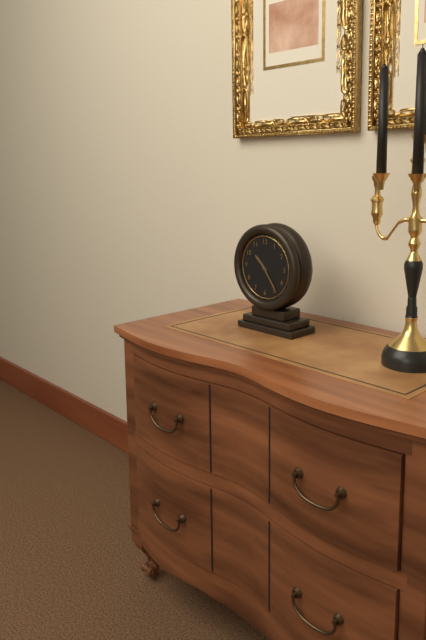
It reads {"hour": 10, "minute": 24}
